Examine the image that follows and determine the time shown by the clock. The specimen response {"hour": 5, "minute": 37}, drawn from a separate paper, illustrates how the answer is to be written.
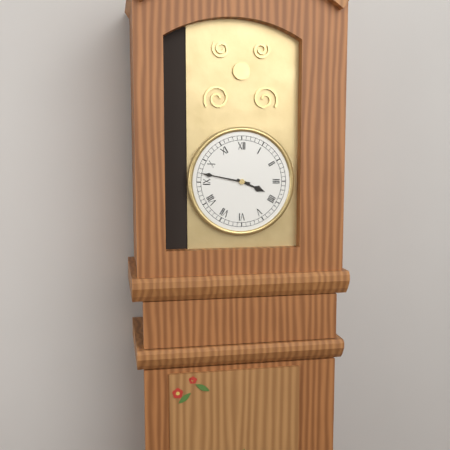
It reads {"hour": 3, "minute": 47}
